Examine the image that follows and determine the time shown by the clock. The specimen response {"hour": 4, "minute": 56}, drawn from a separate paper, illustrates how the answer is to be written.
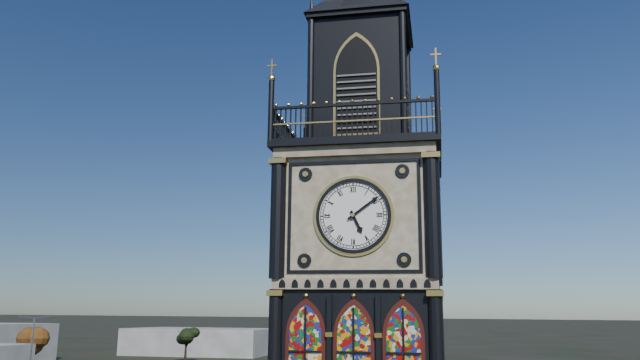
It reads {"hour": 5, "minute": 9}
